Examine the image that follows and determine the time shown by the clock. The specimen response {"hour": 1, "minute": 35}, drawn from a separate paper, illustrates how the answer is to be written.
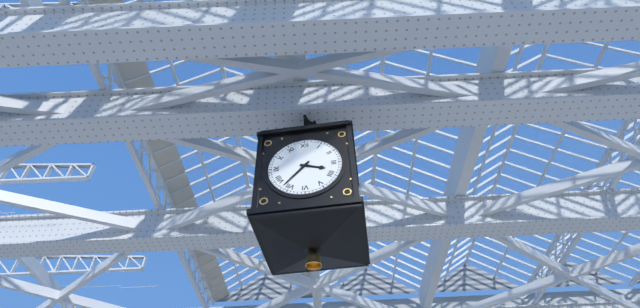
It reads {"hour": 3, "minute": 37}
